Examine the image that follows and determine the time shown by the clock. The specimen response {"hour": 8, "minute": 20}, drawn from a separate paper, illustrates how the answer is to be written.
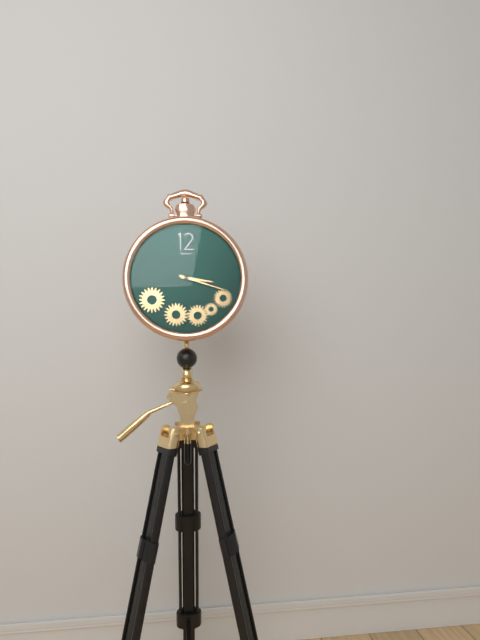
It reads {"hour": 3, "minute": 18}
